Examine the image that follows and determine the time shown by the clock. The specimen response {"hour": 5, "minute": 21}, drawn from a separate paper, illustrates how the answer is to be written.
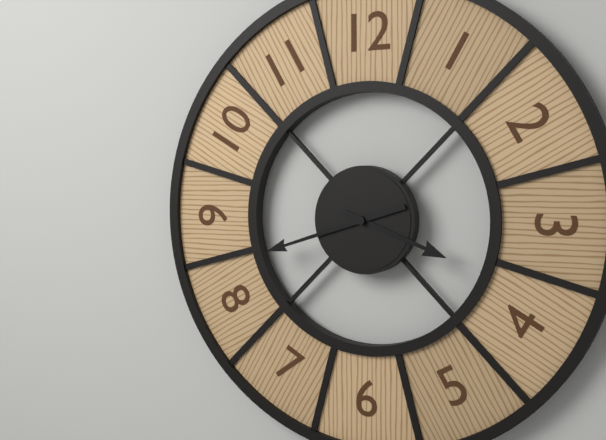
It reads {"hour": 3, "minute": 42}
